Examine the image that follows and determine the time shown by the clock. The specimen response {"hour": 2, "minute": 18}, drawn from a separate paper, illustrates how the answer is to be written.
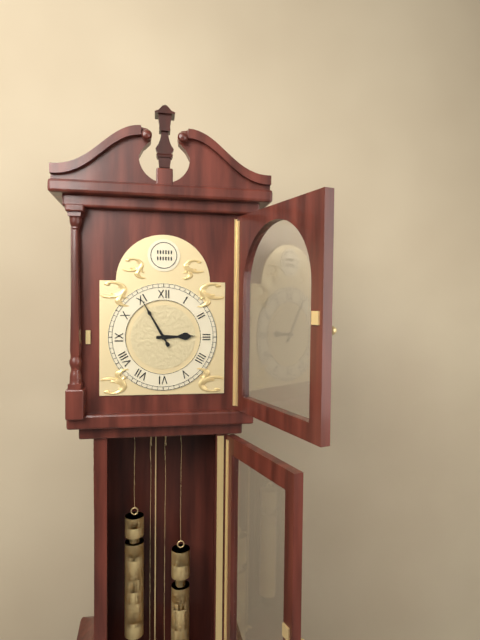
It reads {"hour": 2, "minute": 55}
